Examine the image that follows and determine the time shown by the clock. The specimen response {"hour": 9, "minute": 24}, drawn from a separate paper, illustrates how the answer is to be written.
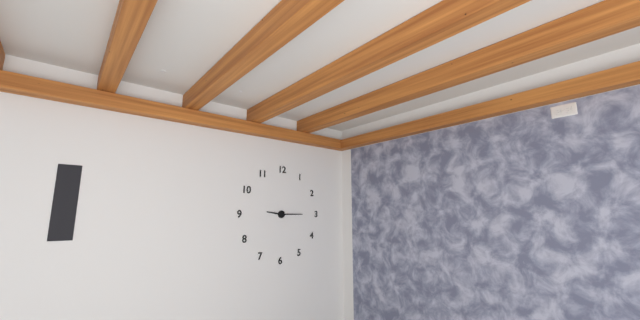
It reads {"hour": 9, "minute": 15}
